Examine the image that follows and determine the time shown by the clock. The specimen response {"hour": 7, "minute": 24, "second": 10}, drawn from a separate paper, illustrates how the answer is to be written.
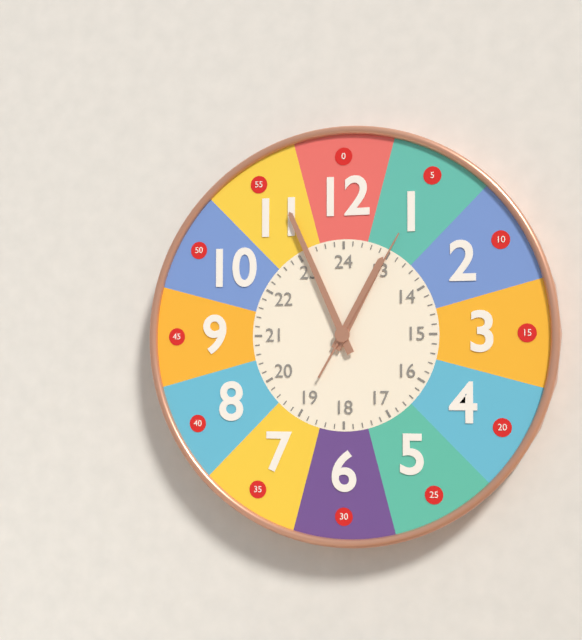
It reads {"hour": 12, "minute": 56, "second": 5}
